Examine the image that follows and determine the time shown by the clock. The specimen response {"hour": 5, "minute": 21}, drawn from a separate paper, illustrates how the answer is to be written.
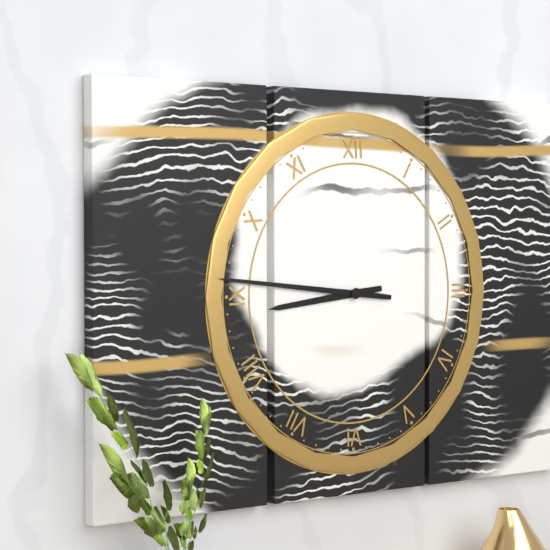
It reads {"hour": 8, "minute": 46}
